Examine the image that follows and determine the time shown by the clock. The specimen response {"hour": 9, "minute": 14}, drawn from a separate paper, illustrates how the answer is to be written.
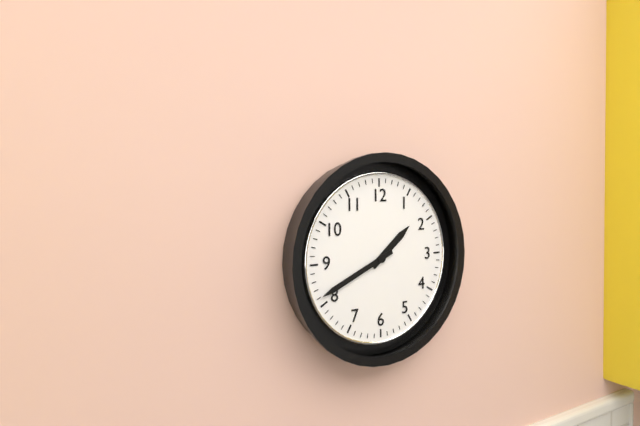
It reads {"hour": 1, "minute": 41}
